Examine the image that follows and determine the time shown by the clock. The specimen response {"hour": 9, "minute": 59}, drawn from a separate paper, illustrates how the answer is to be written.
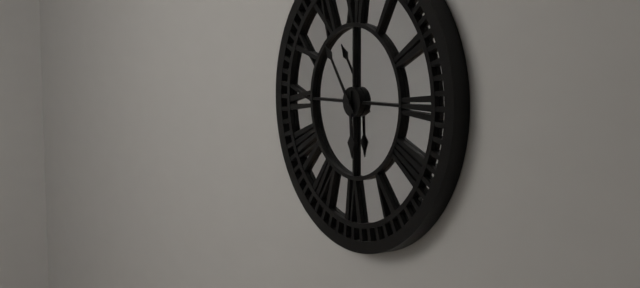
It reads {"hour": 5, "minute": 54}
